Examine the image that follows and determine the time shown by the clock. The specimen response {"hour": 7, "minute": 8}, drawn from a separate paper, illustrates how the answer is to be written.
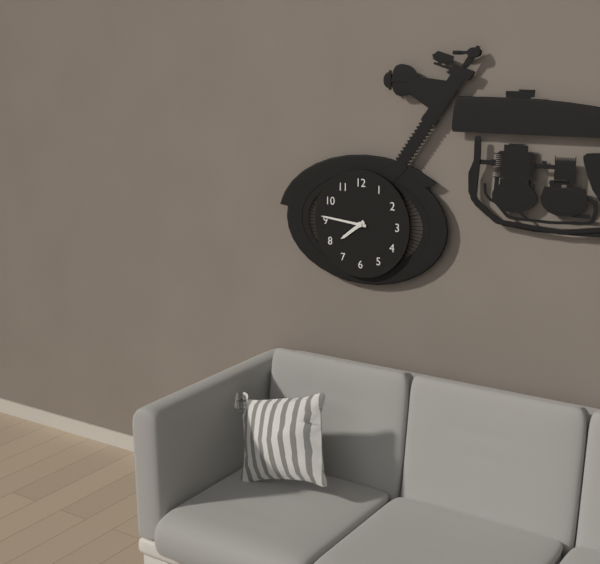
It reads {"hour": 7, "minute": 46}
